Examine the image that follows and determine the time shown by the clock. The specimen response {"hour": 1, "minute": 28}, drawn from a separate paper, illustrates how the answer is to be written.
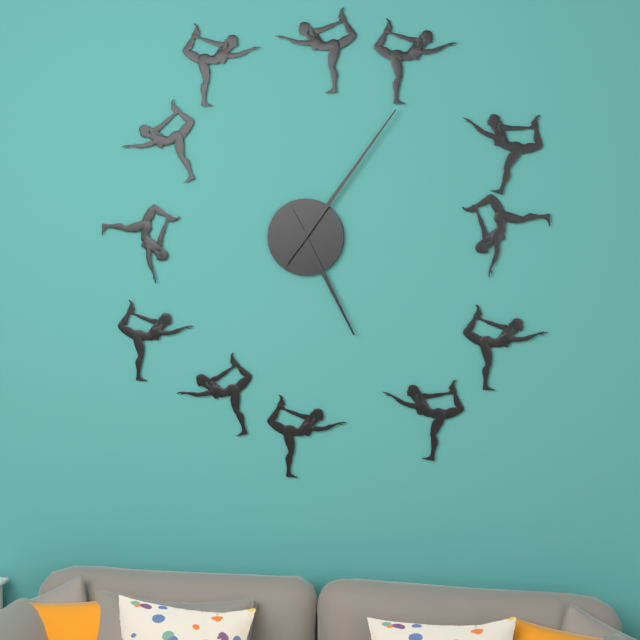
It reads {"hour": 5, "minute": 6}
